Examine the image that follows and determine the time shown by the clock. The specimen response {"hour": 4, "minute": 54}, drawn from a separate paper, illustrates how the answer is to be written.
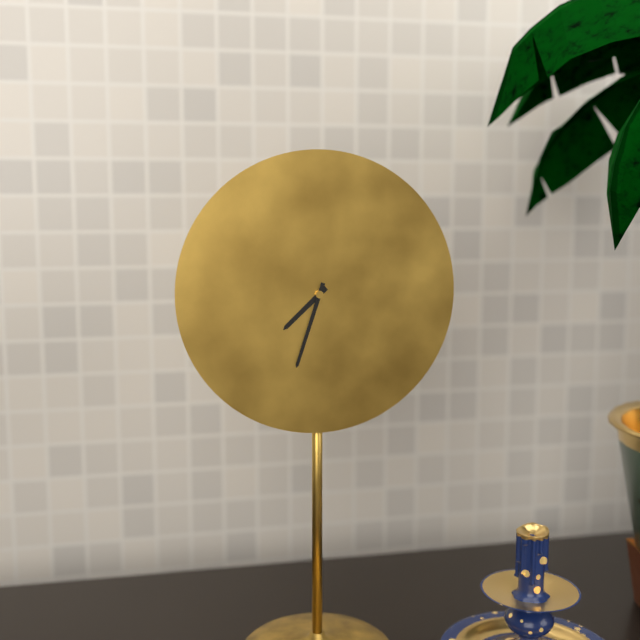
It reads {"hour": 7, "minute": 33}
